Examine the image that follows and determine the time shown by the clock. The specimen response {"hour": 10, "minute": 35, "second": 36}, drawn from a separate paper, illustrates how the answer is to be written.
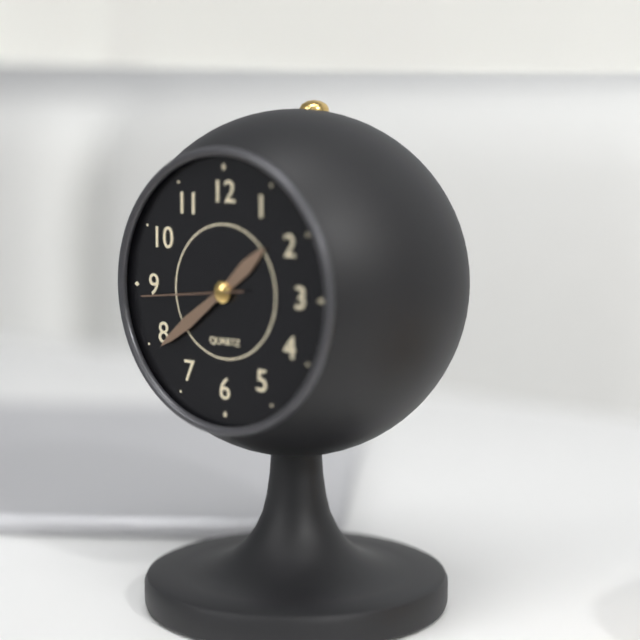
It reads {"hour": 1, "minute": 39, "second": 44}
